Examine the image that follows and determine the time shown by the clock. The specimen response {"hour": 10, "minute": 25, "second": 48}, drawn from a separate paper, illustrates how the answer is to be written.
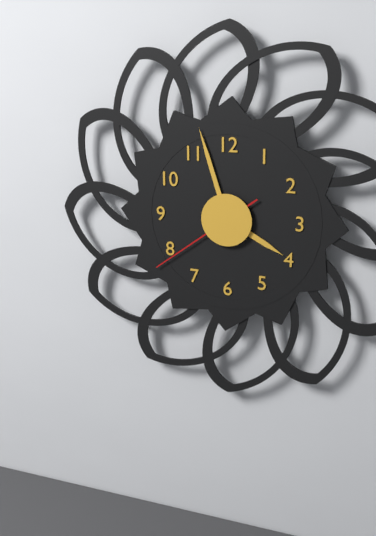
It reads {"hour": 3, "minute": 57, "second": 39}
